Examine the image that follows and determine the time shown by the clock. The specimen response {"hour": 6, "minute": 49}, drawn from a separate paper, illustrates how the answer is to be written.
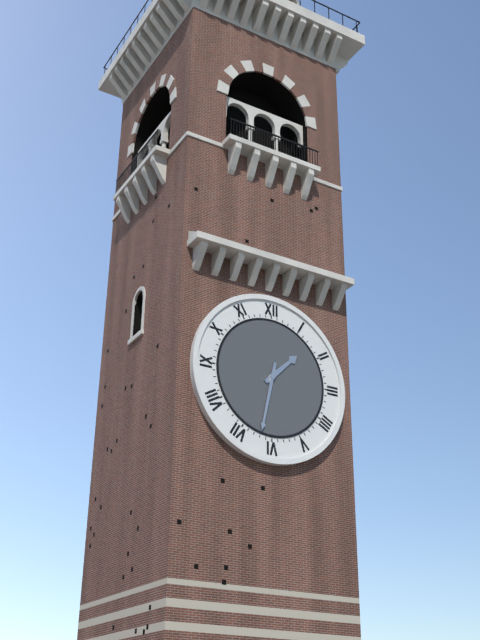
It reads {"hour": 1, "minute": 32}
